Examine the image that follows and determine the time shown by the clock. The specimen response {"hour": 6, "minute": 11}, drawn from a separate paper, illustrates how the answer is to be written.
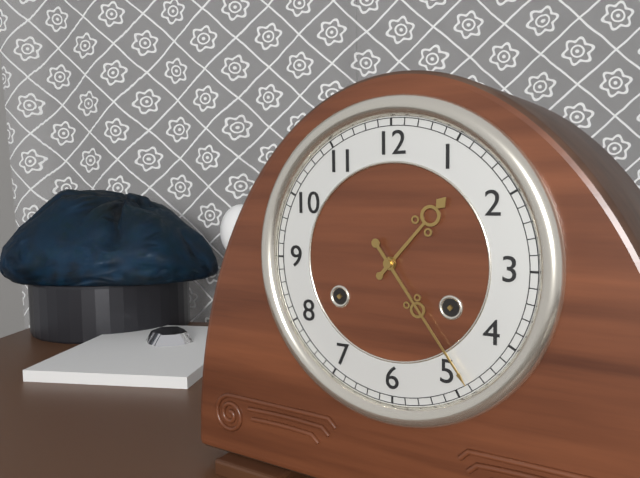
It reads {"hour": 1, "minute": 24}
